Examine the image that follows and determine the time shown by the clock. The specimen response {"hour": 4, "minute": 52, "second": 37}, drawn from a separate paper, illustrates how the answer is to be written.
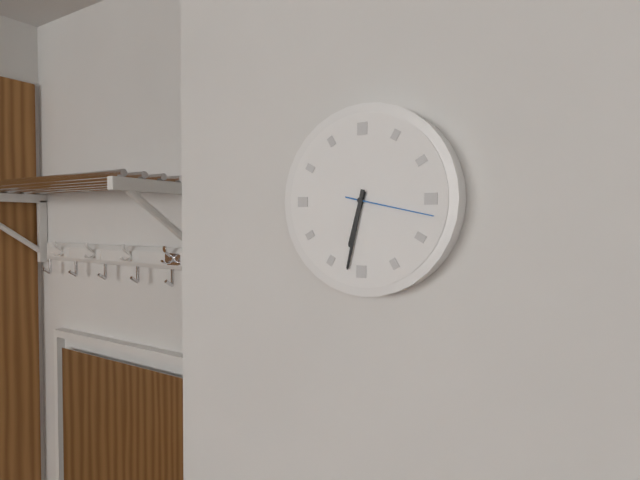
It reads {"hour": 6, "minute": 32, "second": 17}
